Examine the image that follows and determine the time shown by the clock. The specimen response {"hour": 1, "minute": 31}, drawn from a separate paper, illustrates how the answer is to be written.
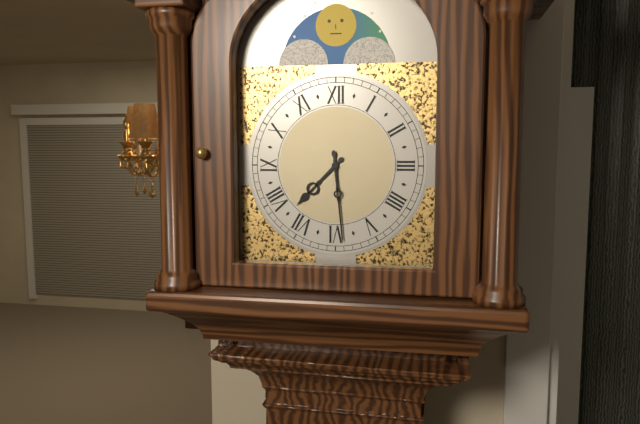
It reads {"hour": 7, "minute": 29}
